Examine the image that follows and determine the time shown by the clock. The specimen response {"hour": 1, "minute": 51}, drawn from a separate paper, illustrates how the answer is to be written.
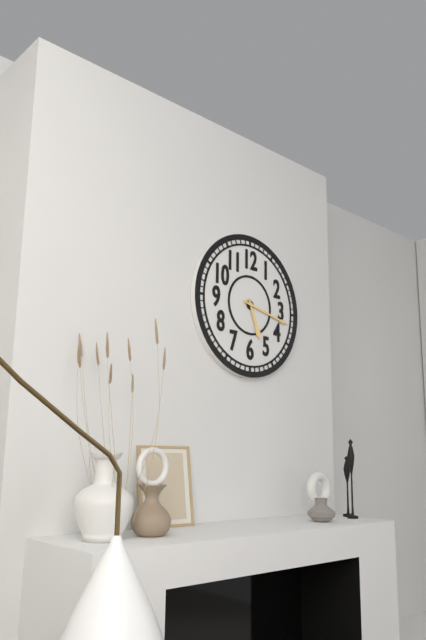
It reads {"hour": 5, "minute": 17}
